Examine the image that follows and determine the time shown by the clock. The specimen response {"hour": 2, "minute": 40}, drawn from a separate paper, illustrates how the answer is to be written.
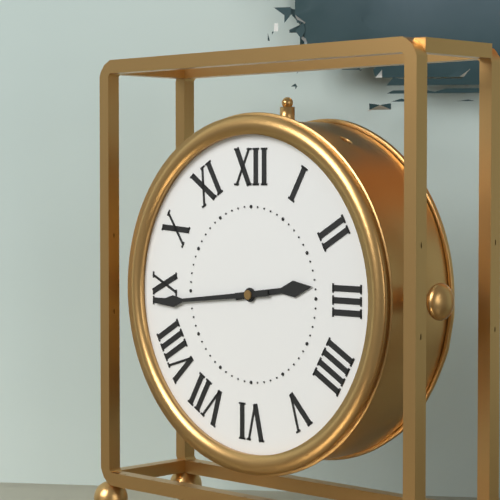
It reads {"hour": 2, "minute": 44}
